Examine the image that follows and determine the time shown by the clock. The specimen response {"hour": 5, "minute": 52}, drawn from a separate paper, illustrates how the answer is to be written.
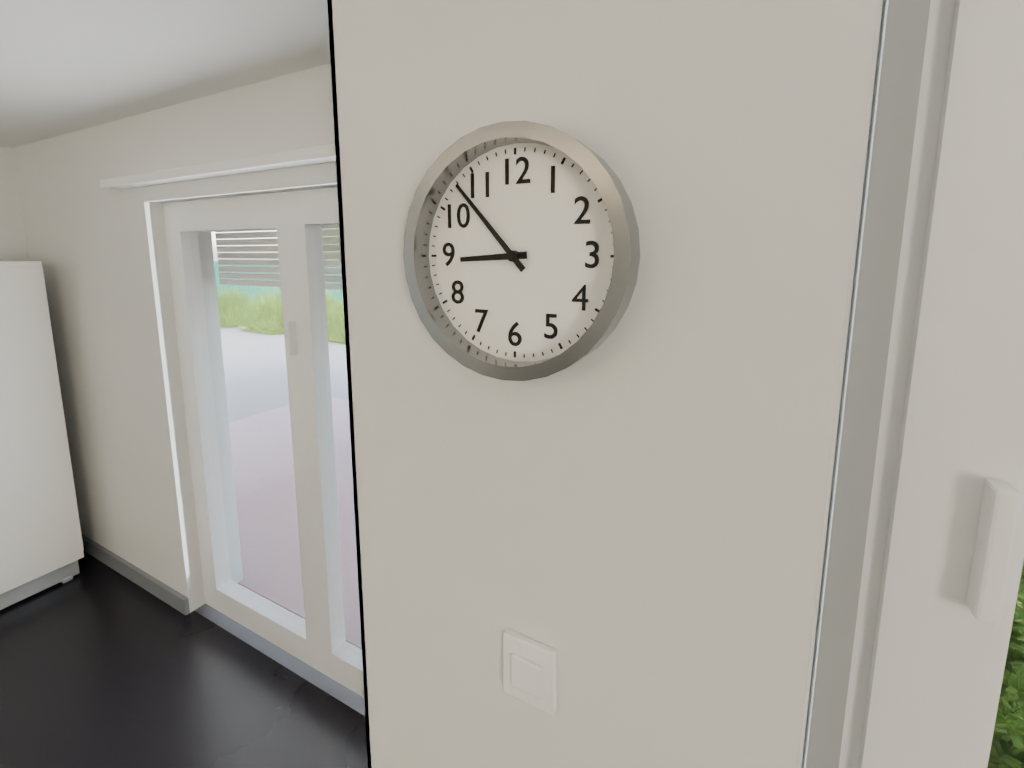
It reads {"hour": 8, "minute": 53}
